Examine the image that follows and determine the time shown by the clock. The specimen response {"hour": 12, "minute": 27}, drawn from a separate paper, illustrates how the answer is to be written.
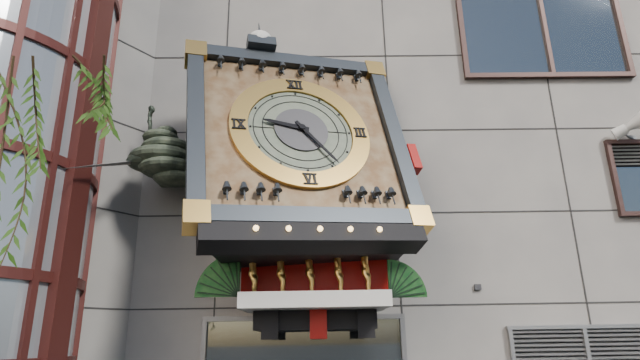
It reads {"hour": 9, "minute": 24}
